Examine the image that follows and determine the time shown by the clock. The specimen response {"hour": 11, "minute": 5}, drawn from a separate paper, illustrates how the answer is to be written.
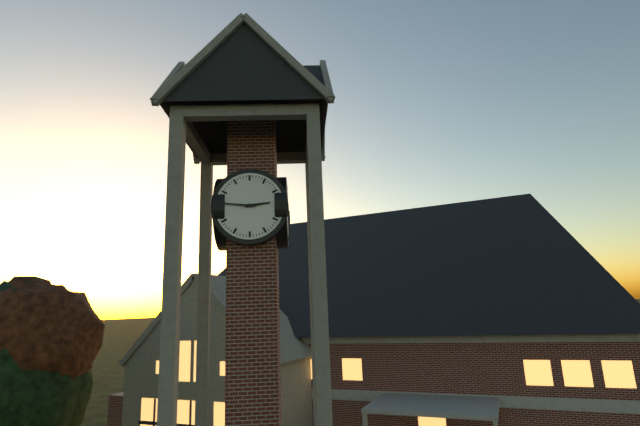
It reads {"hour": 2, "minute": 46}
